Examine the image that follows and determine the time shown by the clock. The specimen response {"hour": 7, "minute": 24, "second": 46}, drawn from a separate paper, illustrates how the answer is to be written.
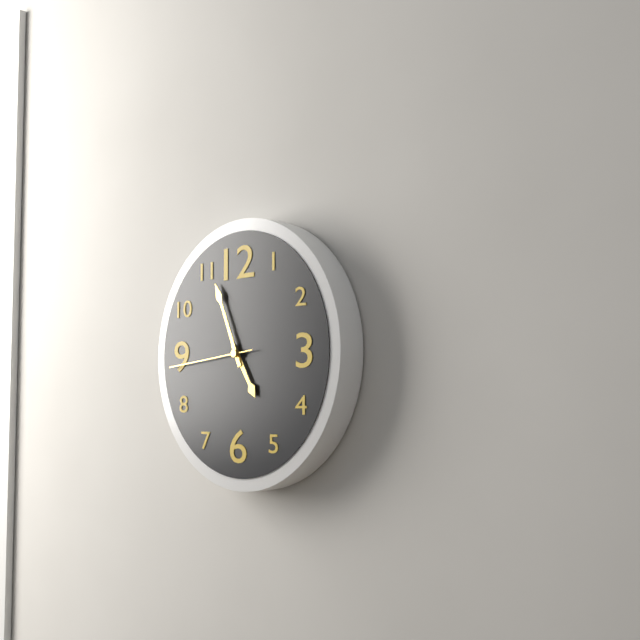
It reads {"hour": 4, "minute": 56, "second": 44}
